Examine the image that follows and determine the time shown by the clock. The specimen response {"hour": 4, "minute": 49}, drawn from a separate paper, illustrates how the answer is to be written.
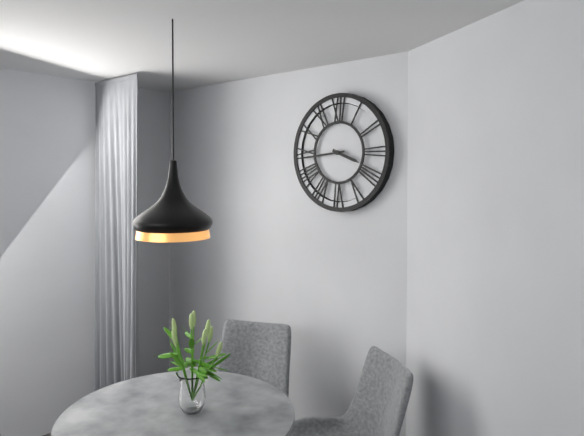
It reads {"hour": 3, "minute": 44}
